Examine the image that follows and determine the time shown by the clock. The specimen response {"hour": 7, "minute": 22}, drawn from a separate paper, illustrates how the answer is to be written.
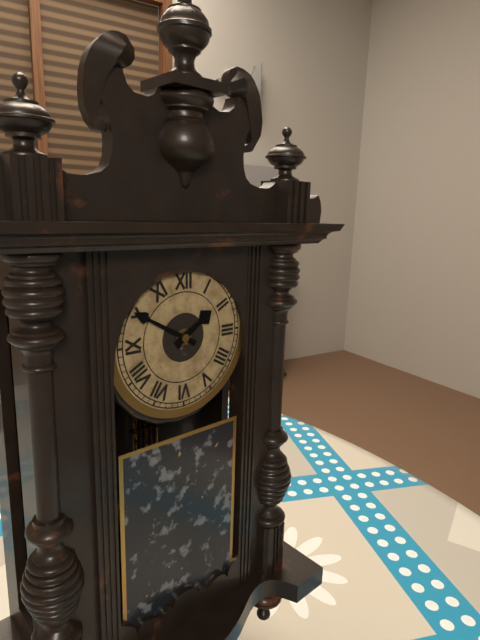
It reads {"hour": 1, "minute": 50}
